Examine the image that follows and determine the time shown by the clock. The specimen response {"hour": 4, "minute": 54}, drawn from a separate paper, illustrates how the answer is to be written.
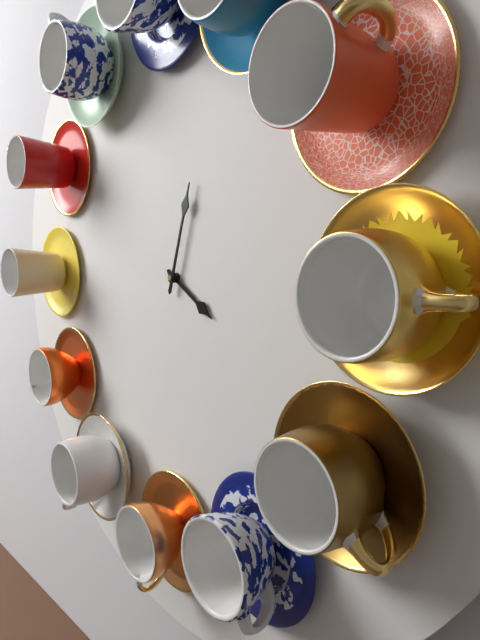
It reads {"hour": 4, "minute": 3}
